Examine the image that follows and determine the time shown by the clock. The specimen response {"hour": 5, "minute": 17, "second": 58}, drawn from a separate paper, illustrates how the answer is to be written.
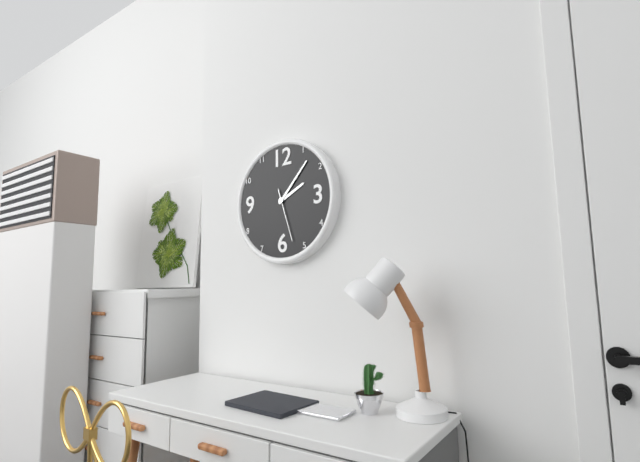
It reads {"hour": 2, "minute": 7, "second": 27}
